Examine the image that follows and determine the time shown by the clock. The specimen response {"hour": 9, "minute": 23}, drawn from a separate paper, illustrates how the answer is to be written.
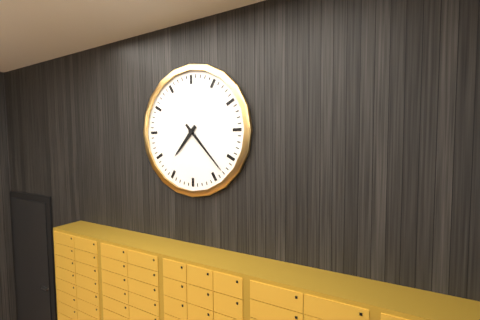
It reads {"hour": 7, "minute": 23}
